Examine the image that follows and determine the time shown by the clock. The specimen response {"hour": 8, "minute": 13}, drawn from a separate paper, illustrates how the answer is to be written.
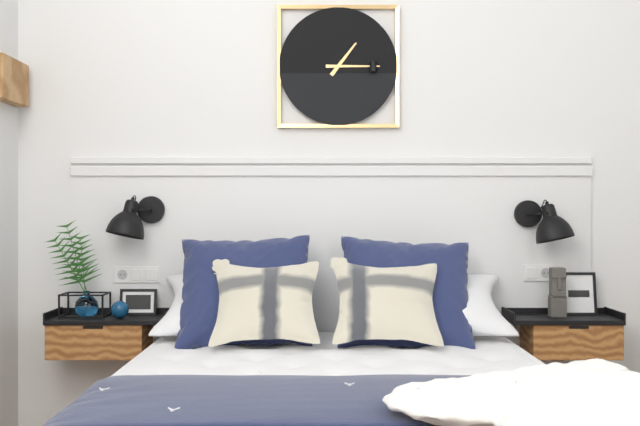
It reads {"hour": 1, "minute": 15}
